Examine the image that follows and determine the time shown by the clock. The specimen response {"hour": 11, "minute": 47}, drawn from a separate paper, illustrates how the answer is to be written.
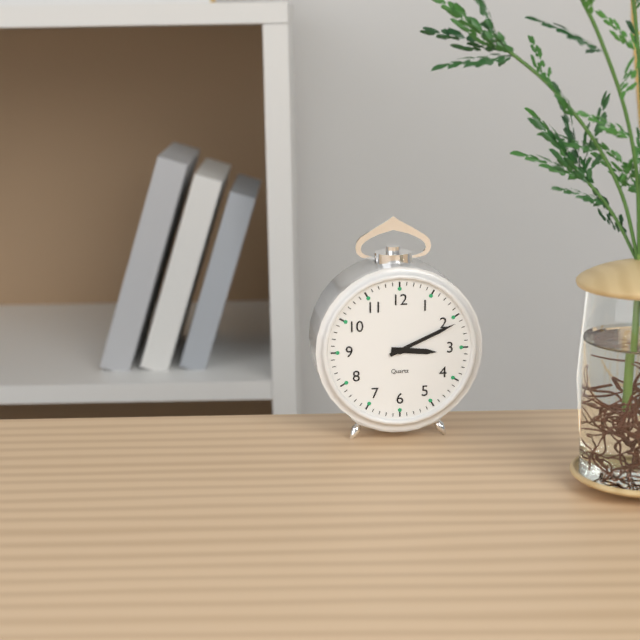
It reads {"hour": 3, "minute": 11}
